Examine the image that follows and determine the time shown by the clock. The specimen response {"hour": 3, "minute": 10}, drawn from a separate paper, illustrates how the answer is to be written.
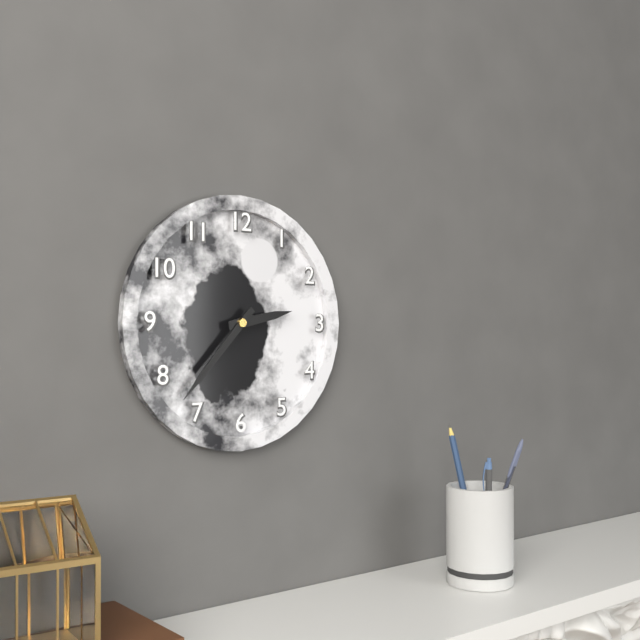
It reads {"hour": 2, "minute": 37}
